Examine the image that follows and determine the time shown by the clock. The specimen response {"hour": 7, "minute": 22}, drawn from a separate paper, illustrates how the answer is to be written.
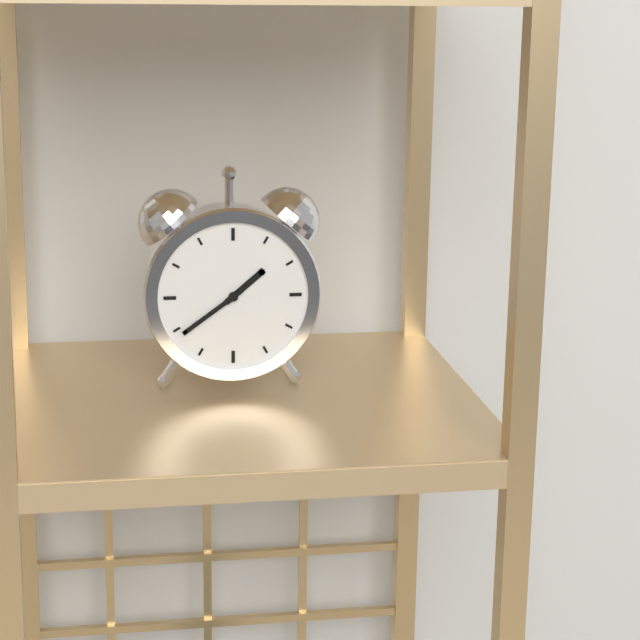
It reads {"hour": 1, "minute": 39}
